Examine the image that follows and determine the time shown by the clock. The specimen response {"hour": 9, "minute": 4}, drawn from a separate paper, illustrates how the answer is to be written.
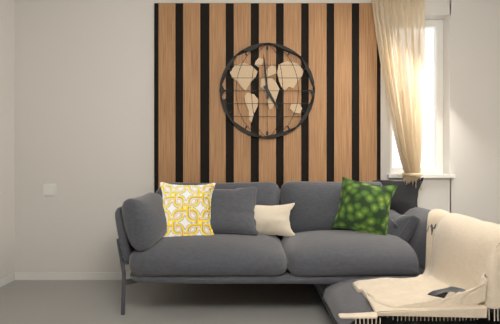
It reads {"hour": 4, "minute": 59}
